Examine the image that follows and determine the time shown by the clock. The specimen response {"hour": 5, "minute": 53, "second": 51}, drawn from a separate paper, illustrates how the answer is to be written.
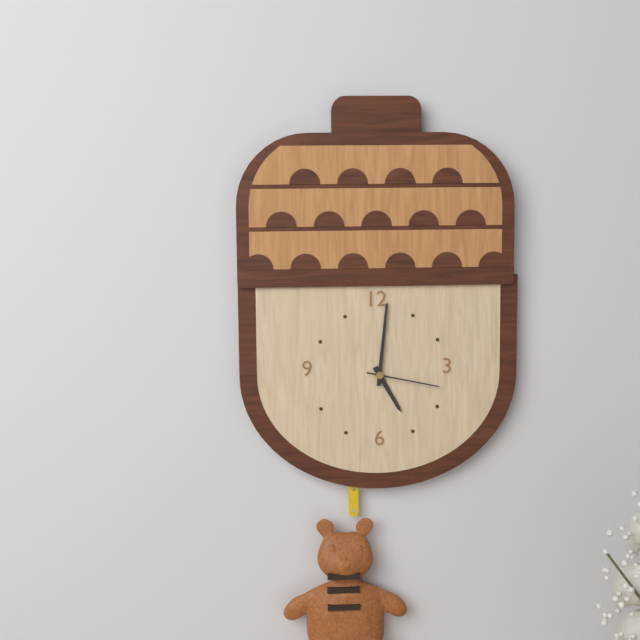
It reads {"hour": 5, "minute": 1, "second": 17}
